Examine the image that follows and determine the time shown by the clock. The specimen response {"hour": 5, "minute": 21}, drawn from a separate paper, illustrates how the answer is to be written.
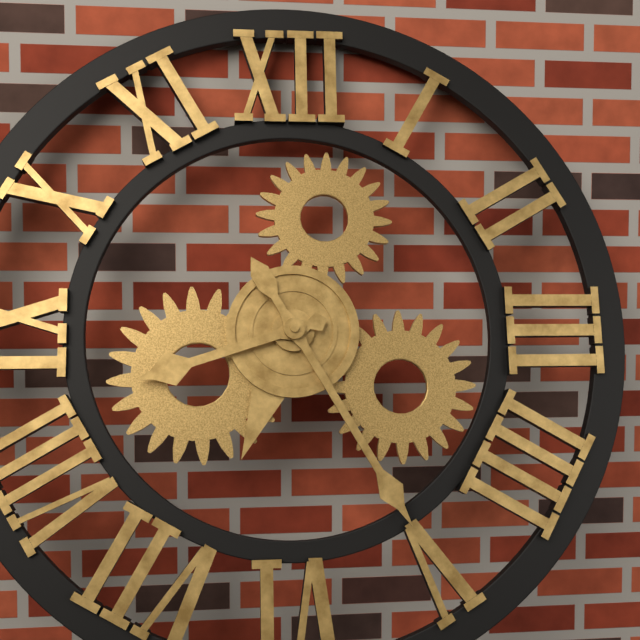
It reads {"hour": 8, "minute": 25}
